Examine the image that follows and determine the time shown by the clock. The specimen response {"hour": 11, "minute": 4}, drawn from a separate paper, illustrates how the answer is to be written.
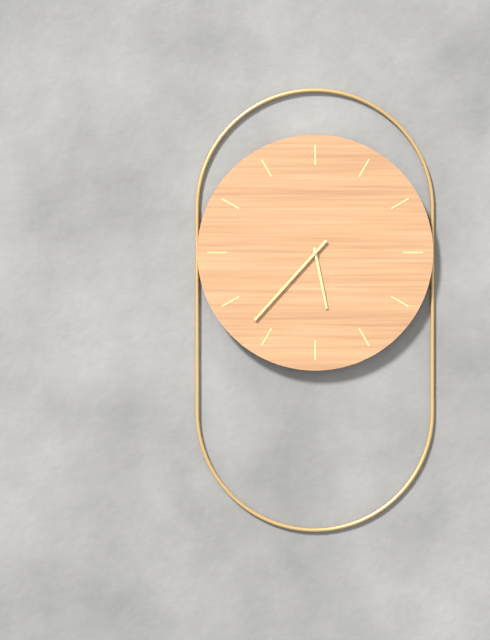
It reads {"hour": 5, "minute": 37}
